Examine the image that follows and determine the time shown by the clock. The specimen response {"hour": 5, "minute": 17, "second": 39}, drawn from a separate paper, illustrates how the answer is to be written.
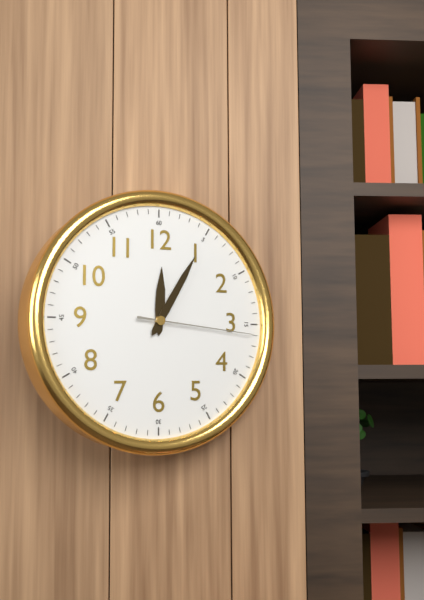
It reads {"hour": 12, "minute": 5, "second": 16}
